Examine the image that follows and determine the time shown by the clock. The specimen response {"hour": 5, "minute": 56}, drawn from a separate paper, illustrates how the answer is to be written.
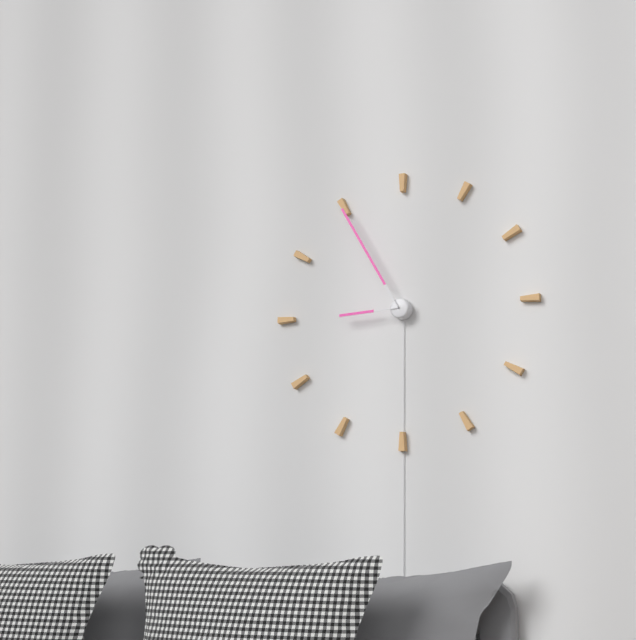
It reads {"hour": 8, "minute": 55}
